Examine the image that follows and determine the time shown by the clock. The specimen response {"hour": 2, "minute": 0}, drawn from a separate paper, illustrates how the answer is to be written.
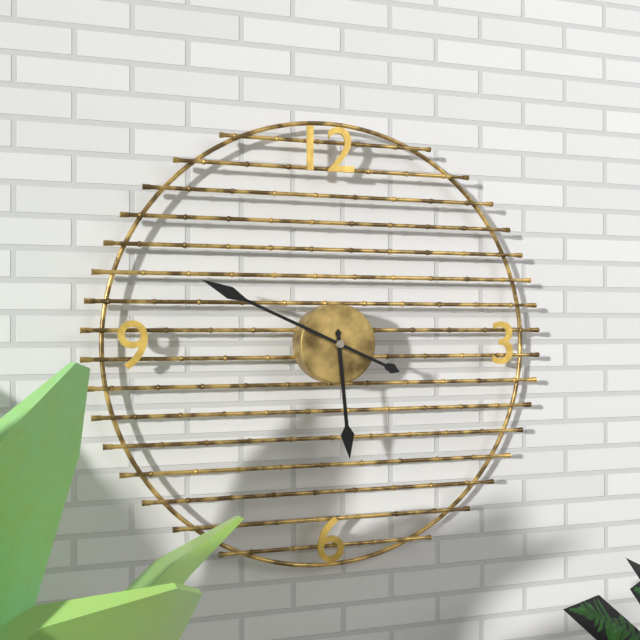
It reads {"hour": 5, "minute": 49}
